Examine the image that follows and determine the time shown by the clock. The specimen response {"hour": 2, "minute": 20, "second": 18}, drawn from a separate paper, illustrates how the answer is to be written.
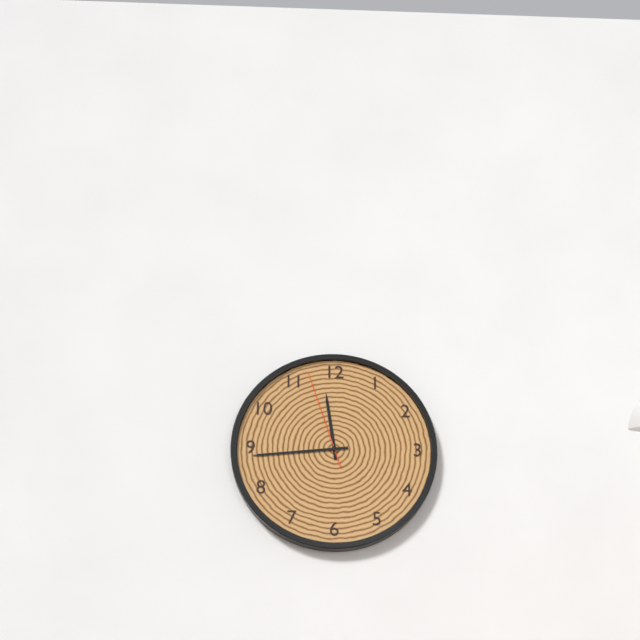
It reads {"hour": 11, "minute": 44, "second": 57}
